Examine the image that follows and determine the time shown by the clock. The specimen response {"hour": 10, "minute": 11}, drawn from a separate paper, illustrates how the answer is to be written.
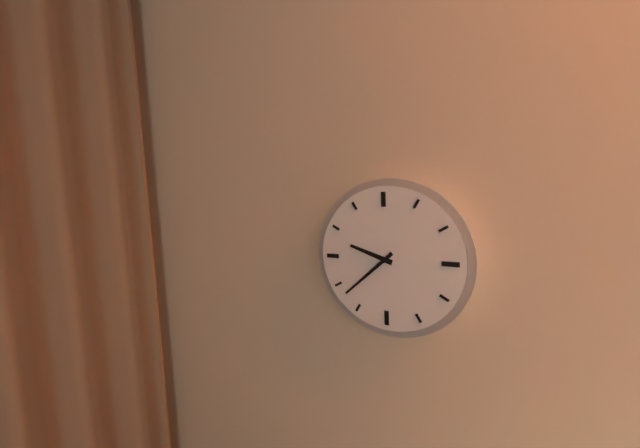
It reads {"hour": 9, "minute": 38}
